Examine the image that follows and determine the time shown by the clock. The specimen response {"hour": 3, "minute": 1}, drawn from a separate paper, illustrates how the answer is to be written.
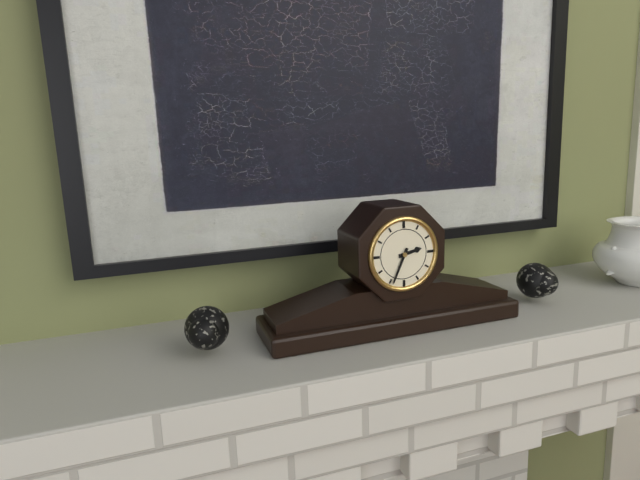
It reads {"hour": 2, "minute": 34}
